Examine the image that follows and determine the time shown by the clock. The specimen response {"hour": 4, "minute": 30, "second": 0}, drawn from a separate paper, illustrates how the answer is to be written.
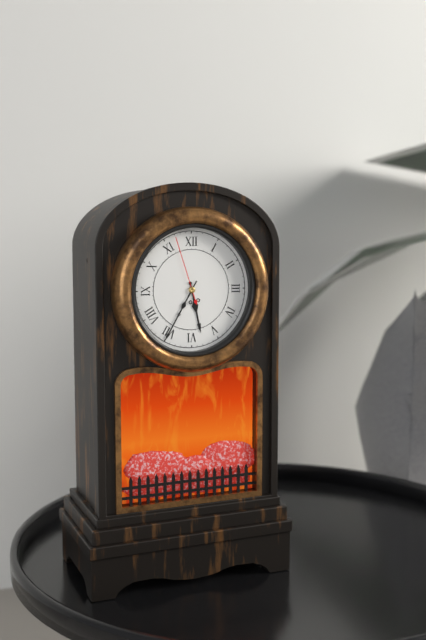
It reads {"hour": 5, "minute": 35, "second": 57}
